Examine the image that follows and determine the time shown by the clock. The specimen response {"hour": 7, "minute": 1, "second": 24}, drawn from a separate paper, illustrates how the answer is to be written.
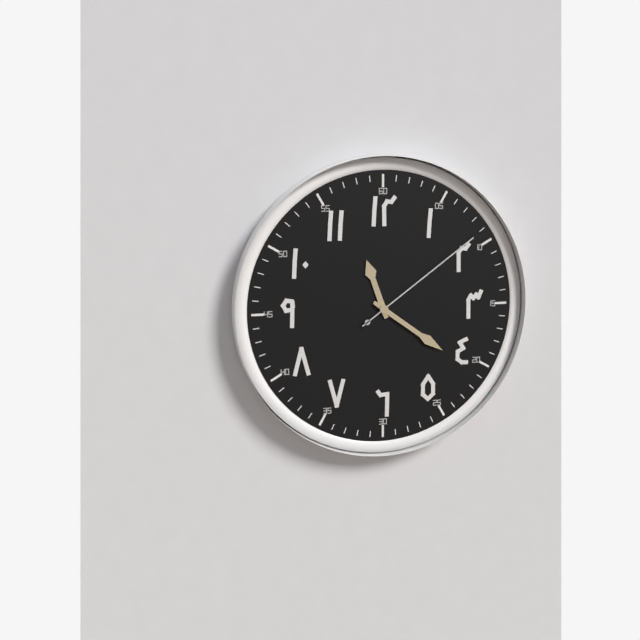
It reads {"hour": 11, "minute": 21, "second": 9}
